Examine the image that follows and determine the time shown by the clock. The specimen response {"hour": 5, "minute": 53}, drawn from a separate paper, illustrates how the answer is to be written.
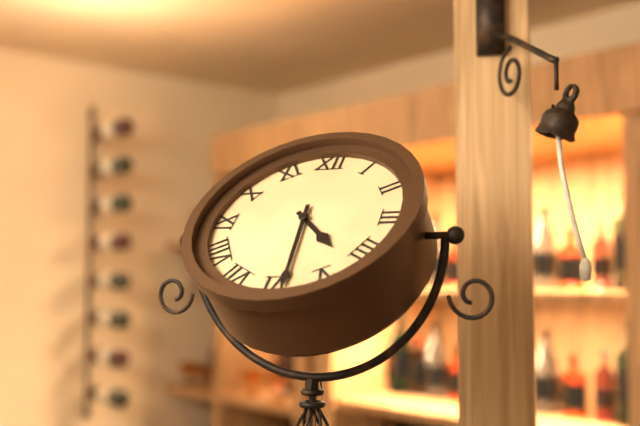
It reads {"hour": 4, "minute": 29}
